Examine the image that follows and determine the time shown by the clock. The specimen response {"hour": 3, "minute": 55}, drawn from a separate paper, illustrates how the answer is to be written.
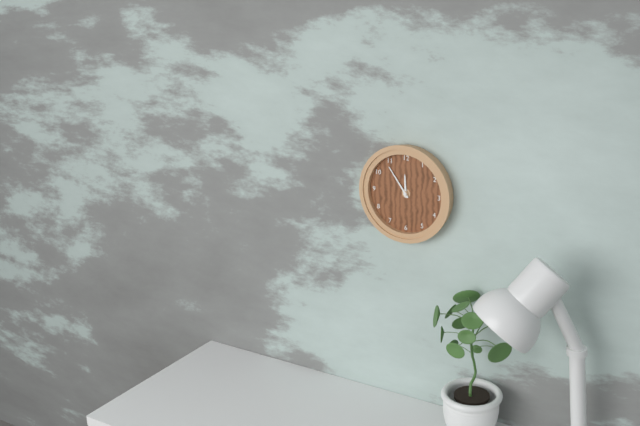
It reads {"hour": 11, "minute": 54}
